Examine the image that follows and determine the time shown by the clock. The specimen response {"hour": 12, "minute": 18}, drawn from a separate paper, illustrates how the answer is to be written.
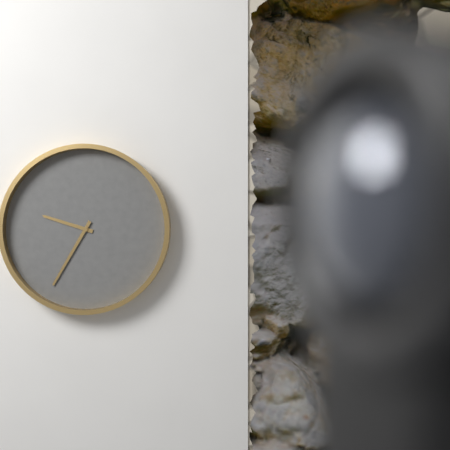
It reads {"hour": 9, "minute": 35}
